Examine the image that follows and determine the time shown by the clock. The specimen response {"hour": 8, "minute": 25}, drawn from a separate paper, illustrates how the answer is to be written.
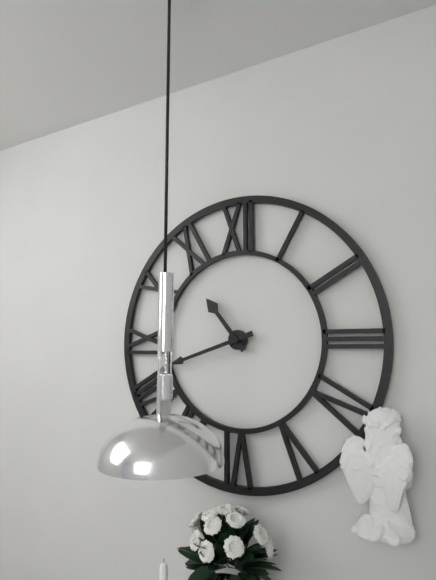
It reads {"hour": 10, "minute": 42}
